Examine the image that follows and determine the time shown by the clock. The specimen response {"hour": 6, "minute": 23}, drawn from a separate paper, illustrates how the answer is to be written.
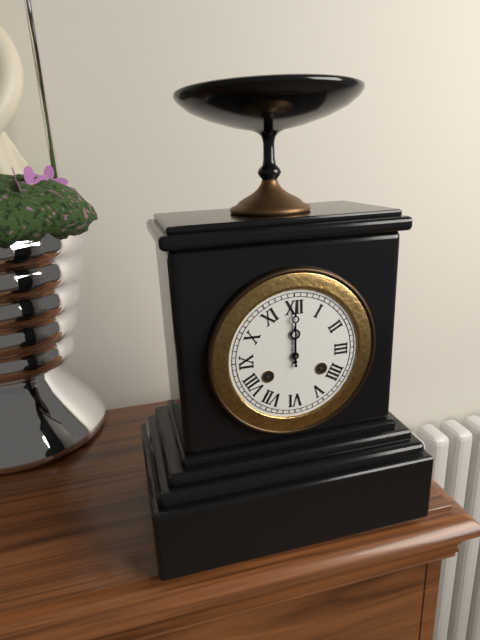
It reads {"hour": 12, "minute": 0}
